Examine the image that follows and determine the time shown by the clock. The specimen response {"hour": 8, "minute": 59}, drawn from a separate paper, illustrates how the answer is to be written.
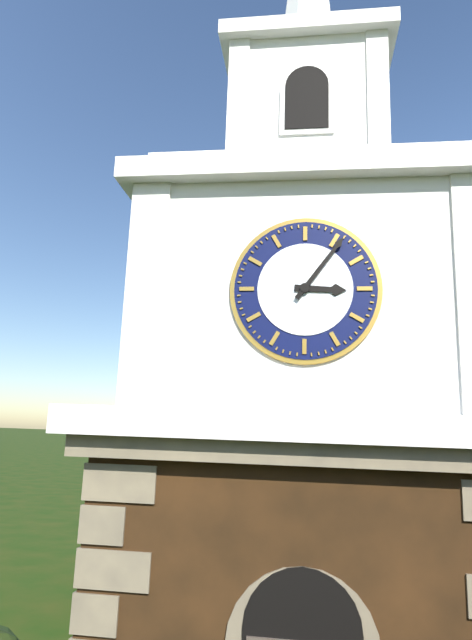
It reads {"hour": 3, "minute": 6}
